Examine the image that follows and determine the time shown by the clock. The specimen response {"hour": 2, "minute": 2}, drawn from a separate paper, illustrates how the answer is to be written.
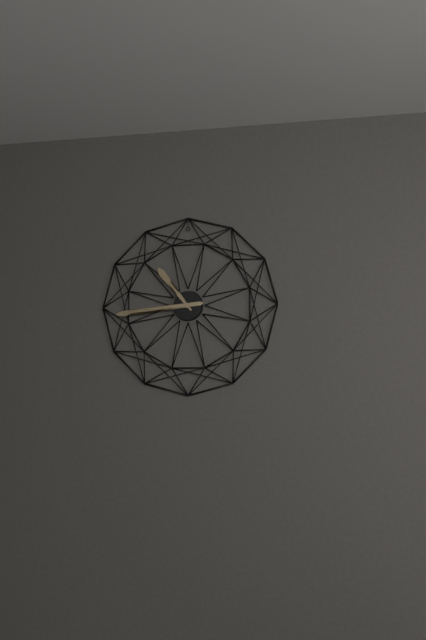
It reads {"hour": 10, "minute": 44}
